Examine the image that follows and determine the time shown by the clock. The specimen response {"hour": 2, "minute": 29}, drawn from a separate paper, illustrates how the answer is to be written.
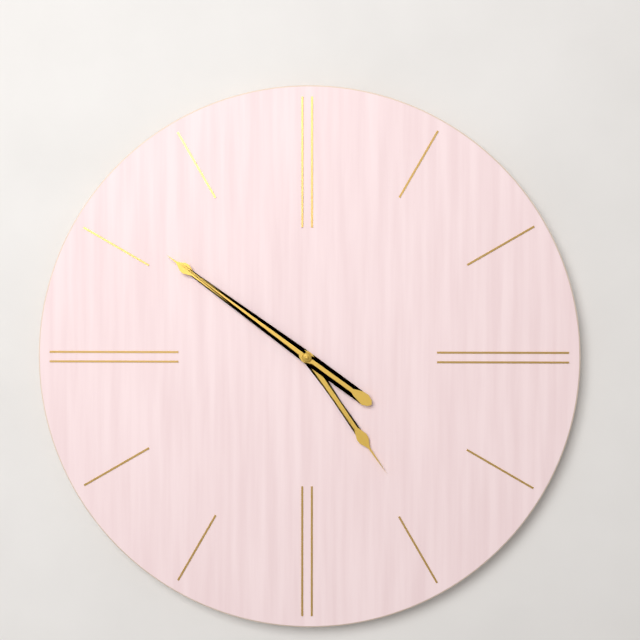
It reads {"hour": 4, "minute": 51}
